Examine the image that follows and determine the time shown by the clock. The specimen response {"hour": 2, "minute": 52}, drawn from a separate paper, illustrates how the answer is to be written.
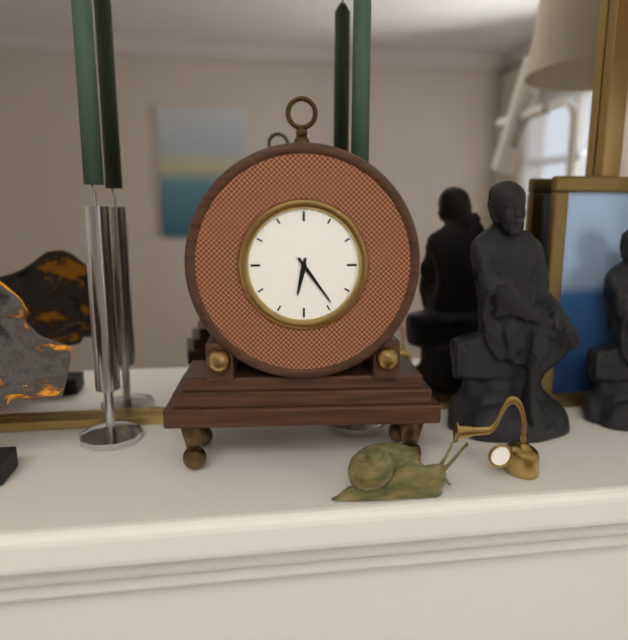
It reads {"hour": 6, "minute": 24}
